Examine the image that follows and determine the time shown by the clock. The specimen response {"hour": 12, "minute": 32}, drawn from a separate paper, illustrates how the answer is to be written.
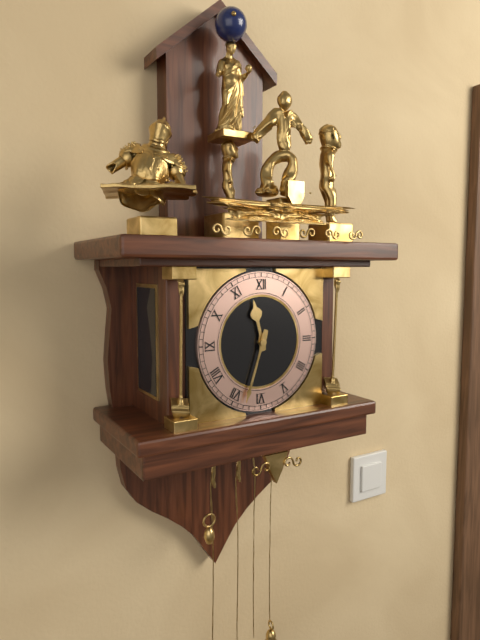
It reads {"hour": 11, "minute": 33}
